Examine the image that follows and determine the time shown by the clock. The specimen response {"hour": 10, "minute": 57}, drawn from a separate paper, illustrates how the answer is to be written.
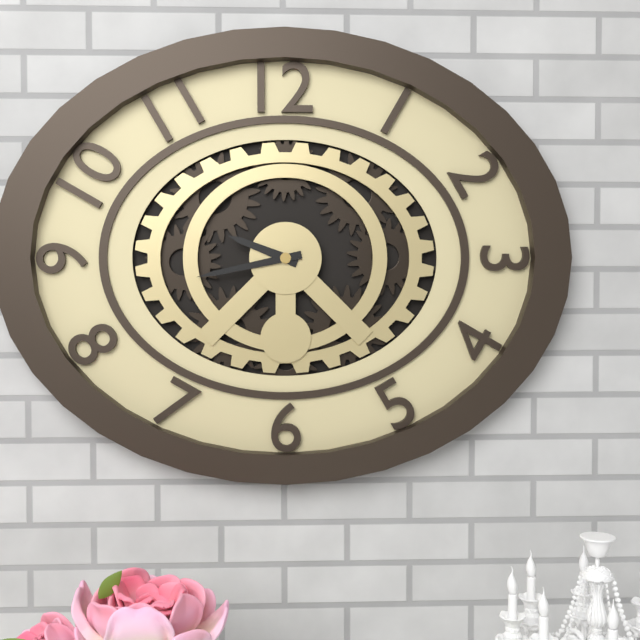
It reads {"hour": 9, "minute": 43}
